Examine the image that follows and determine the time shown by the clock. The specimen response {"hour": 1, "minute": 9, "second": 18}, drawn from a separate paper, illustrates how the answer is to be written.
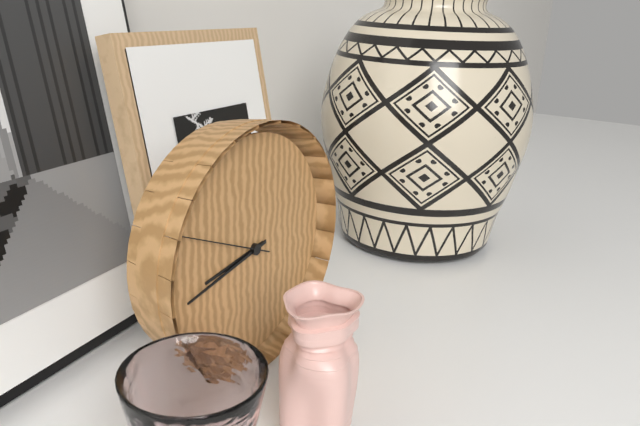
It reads {"hour": 8, "minute": 43, "second": 49}
